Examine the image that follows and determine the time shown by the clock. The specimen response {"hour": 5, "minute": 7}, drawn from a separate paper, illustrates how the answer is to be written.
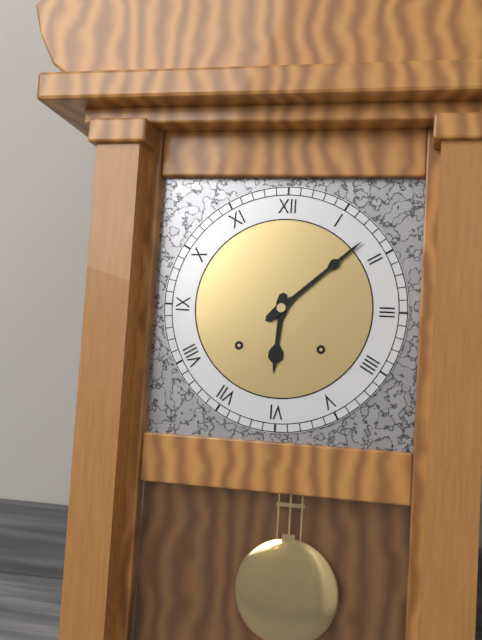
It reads {"hour": 6, "minute": 8}
